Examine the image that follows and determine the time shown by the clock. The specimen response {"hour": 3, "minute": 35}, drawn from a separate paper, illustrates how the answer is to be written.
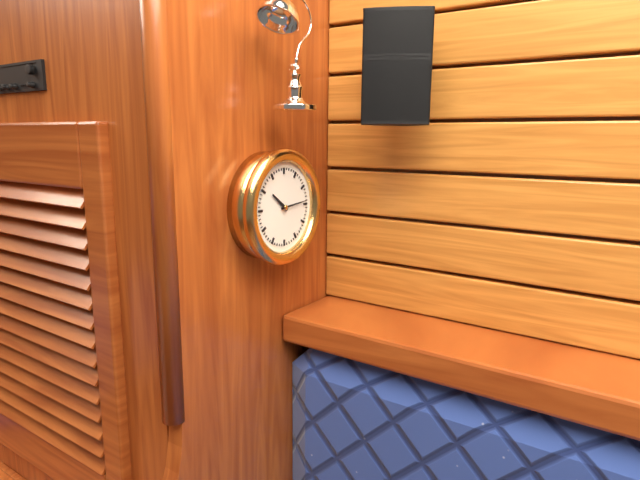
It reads {"hour": 10, "minute": 14}
